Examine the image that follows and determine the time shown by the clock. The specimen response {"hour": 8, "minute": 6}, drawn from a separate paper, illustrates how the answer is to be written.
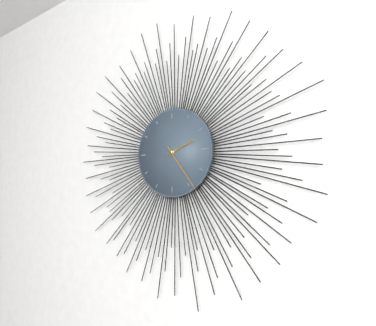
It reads {"hour": 2, "minute": 24}
